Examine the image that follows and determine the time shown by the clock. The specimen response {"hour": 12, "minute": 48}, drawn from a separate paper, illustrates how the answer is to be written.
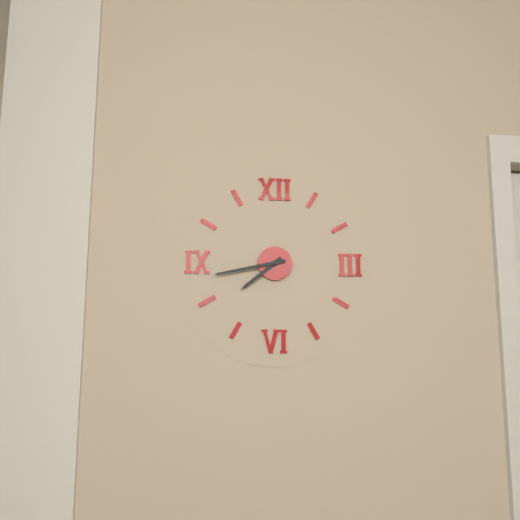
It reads {"hour": 7, "minute": 43}
